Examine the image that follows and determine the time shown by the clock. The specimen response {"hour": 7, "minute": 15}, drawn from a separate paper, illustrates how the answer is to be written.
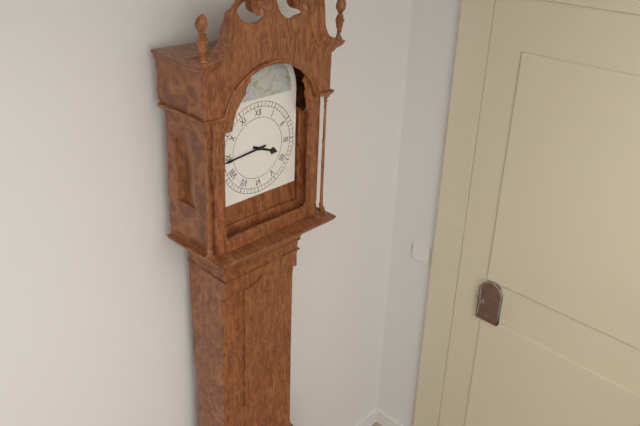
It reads {"hour": 3, "minute": 44}
